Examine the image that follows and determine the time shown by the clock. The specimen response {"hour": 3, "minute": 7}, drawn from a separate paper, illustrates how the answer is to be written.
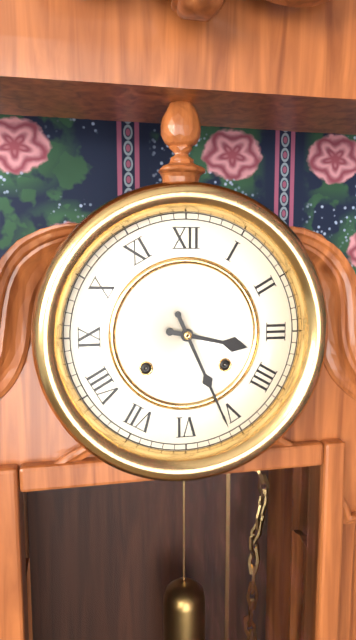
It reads {"hour": 3, "minute": 26}
